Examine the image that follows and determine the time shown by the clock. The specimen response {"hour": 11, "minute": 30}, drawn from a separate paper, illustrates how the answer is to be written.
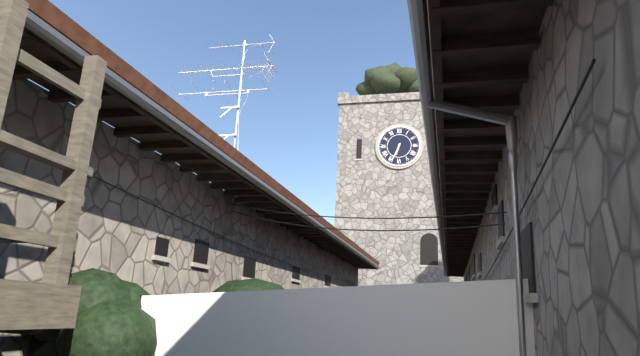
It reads {"hour": 6, "minute": 34}
